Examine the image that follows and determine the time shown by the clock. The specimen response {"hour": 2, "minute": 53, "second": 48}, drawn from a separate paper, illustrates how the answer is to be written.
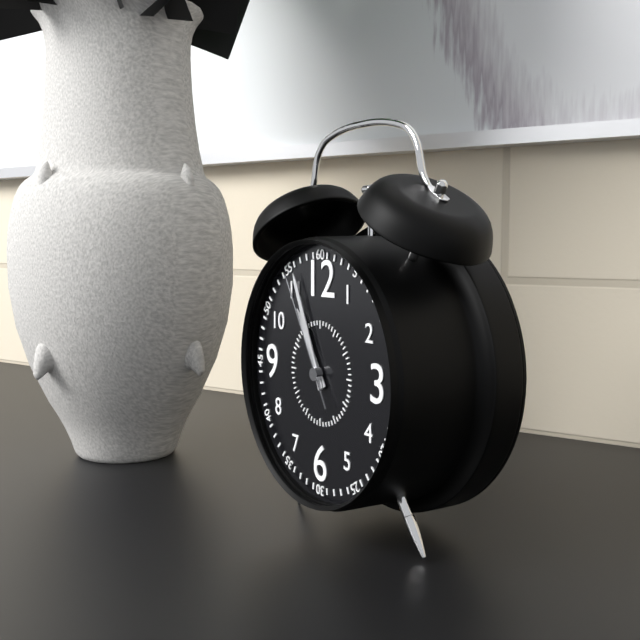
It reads {"hour": 10, "minute": 56, "second": 55}
